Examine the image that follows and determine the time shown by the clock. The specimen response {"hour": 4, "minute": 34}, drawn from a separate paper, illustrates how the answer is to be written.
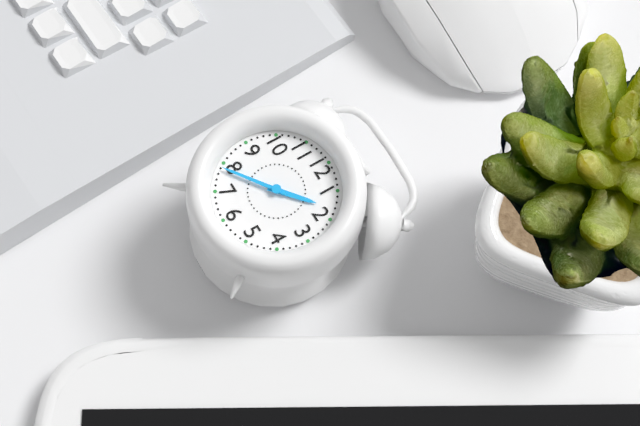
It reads {"hour": 1, "minute": 39}
